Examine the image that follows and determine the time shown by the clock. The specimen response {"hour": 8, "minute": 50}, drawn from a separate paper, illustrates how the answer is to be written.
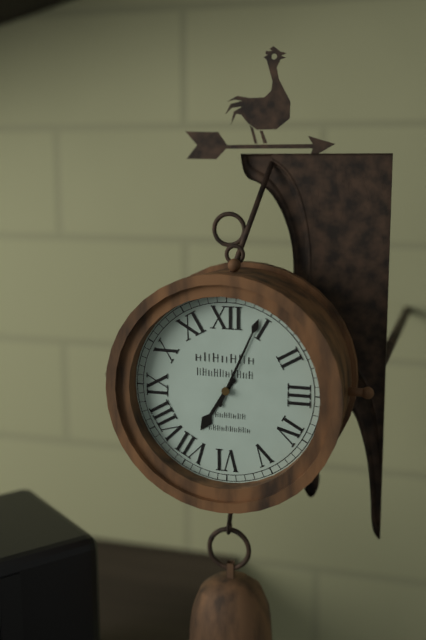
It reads {"hour": 7, "minute": 4}
